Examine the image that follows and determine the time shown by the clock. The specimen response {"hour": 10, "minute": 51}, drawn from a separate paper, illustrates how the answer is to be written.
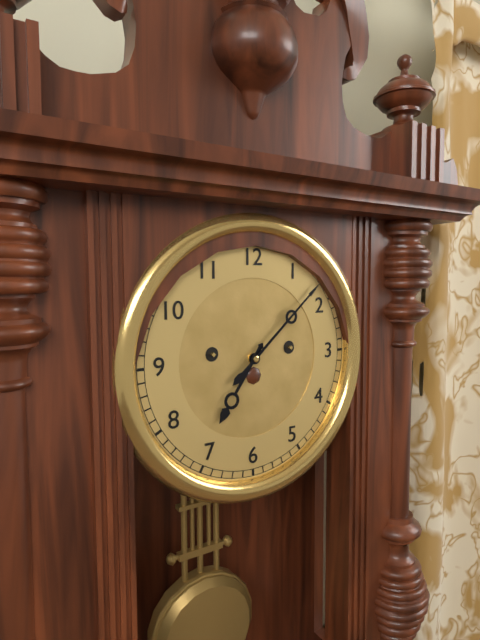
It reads {"hour": 7, "minute": 8}
